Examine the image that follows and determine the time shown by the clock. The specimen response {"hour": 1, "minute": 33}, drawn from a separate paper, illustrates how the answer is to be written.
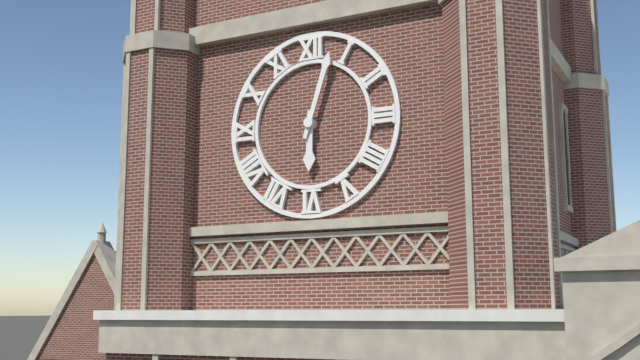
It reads {"hour": 6, "minute": 3}
